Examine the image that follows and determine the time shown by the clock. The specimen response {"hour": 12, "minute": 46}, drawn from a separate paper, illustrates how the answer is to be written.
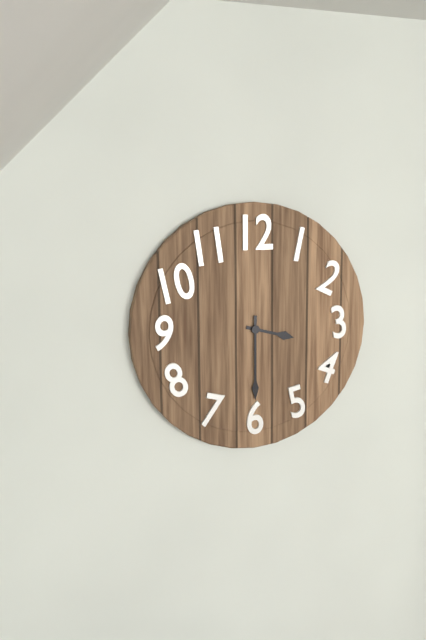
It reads {"hour": 3, "minute": 30}
